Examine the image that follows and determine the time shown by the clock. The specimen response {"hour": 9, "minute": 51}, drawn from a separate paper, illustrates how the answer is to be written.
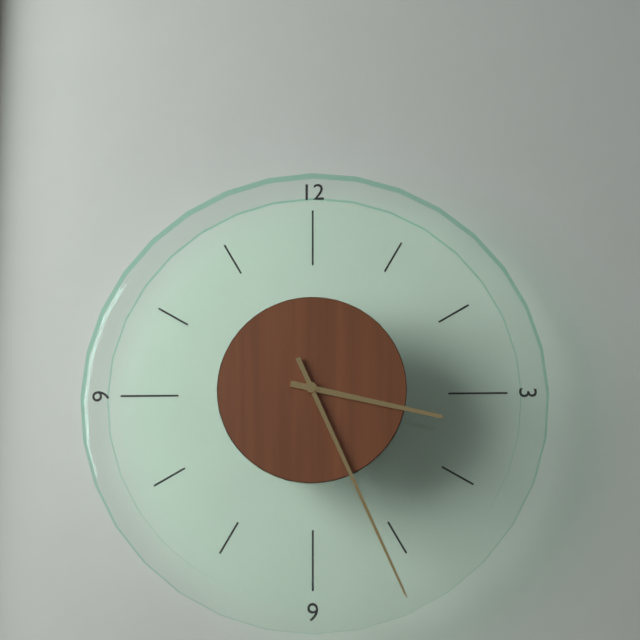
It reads {"hour": 3, "minute": 26}
